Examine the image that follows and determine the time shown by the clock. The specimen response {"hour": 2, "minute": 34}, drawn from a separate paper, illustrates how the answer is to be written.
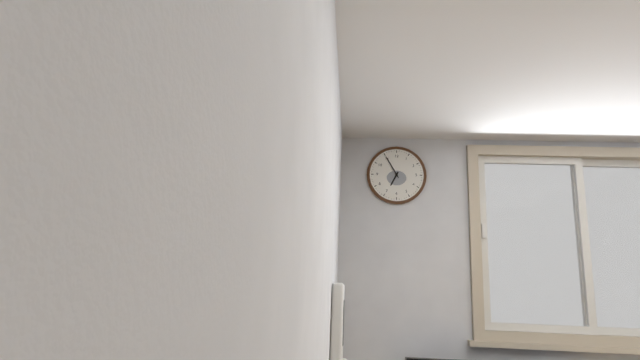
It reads {"hour": 6, "minute": 55}
